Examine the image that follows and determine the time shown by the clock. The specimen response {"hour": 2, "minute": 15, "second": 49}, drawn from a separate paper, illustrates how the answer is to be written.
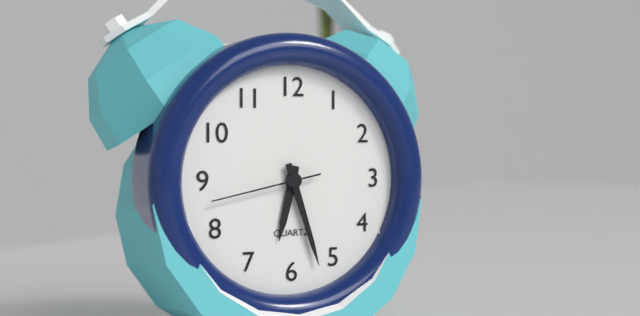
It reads {"hour": 6, "minute": 27, "second": 43}
